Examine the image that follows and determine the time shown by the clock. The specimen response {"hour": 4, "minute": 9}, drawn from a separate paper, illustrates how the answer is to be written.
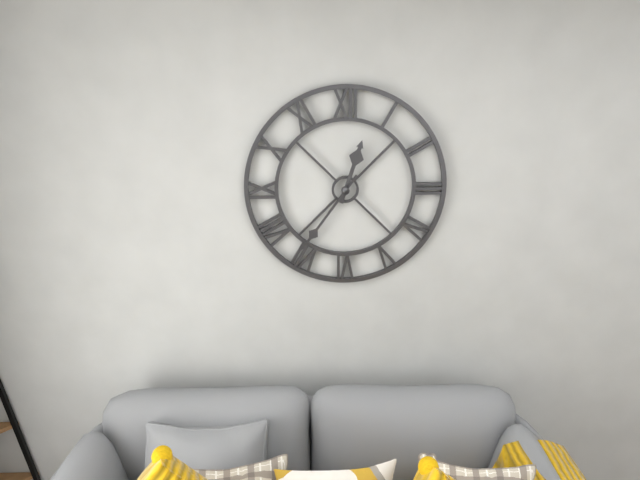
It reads {"hour": 12, "minute": 36}
